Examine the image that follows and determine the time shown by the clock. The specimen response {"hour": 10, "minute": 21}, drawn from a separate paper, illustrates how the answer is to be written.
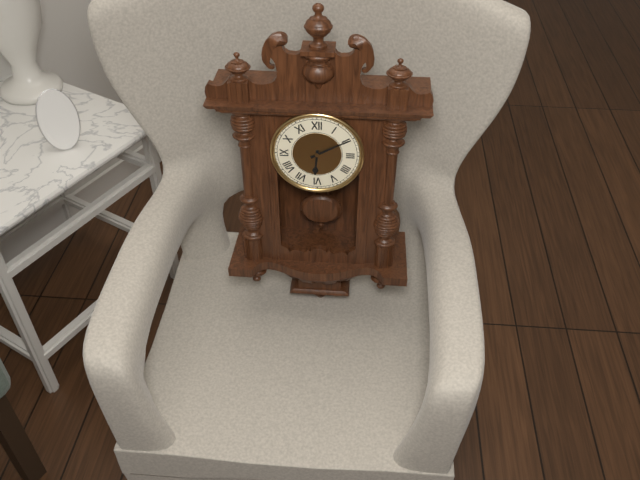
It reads {"hour": 6, "minute": 10}
